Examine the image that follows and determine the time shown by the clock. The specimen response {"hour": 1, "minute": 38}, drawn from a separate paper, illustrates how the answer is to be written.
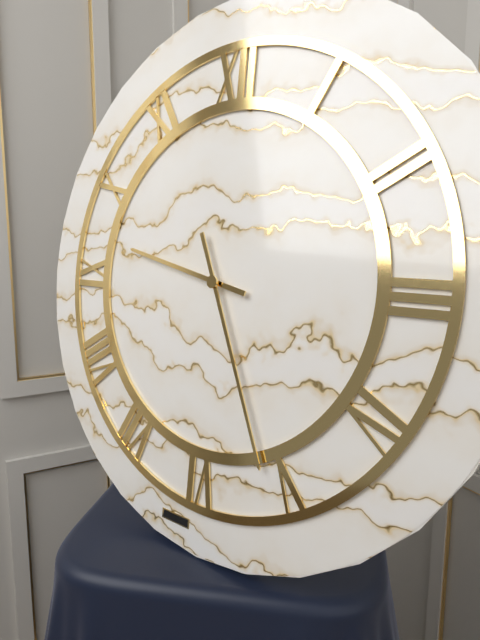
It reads {"hour": 9, "minute": 26}
